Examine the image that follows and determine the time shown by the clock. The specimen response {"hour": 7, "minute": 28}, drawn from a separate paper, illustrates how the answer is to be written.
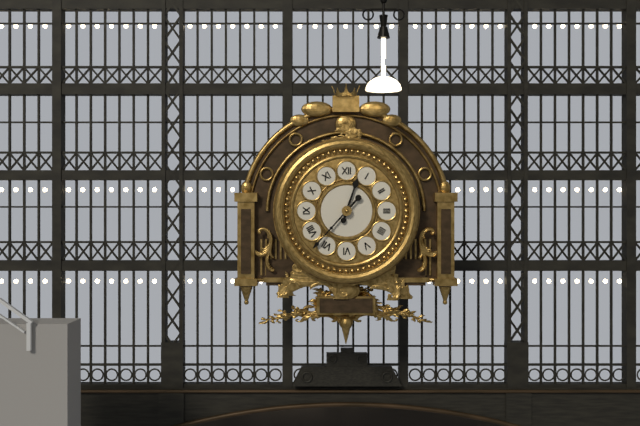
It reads {"hour": 12, "minute": 37}
